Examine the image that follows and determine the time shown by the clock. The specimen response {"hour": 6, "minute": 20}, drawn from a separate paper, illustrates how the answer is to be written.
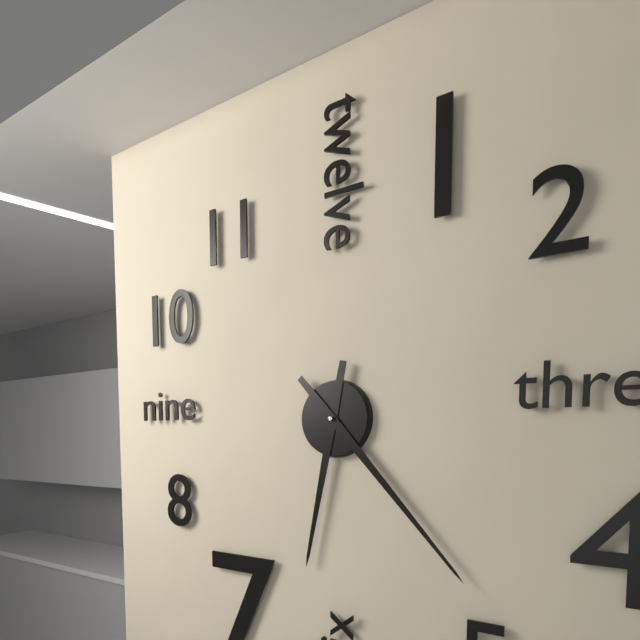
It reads {"hour": 6, "minute": 23}
